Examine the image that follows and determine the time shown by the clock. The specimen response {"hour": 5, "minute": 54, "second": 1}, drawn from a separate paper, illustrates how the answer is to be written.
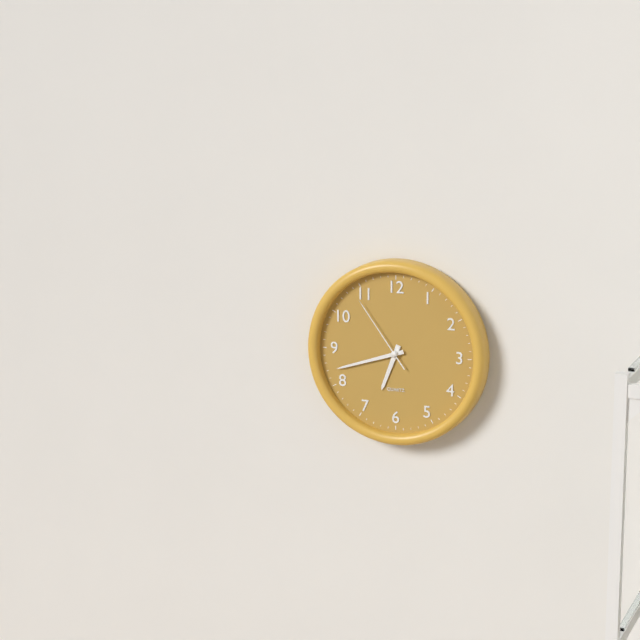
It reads {"hour": 6, "minute": 42, "second": 54}
